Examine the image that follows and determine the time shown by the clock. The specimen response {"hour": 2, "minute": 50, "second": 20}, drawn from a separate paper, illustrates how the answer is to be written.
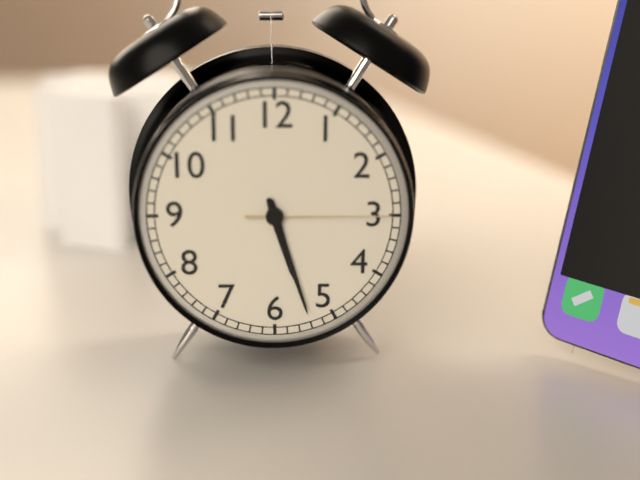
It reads {"hour": 5, "minute": 27, "second": 15}
